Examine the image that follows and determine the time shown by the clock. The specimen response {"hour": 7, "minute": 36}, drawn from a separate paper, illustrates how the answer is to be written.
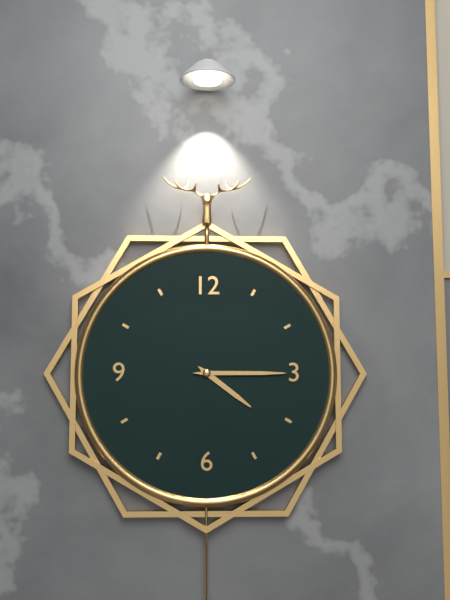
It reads {"hour": 4, "minute": 15}
